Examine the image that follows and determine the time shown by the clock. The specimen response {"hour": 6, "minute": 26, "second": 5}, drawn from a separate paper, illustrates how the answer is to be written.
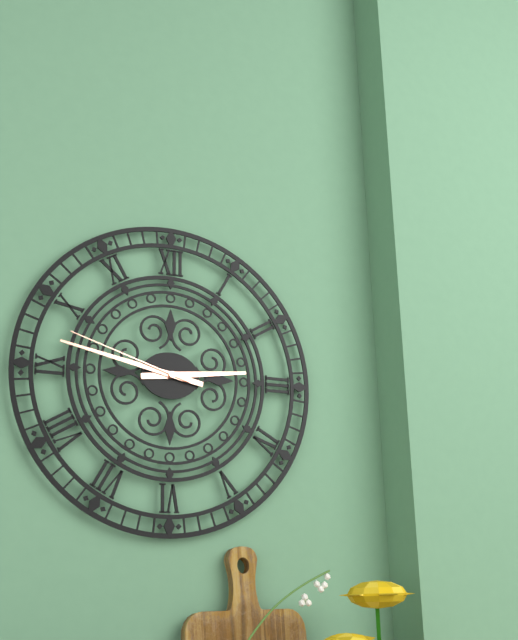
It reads {"hour": 2, "minute": 47, "second": 48}
